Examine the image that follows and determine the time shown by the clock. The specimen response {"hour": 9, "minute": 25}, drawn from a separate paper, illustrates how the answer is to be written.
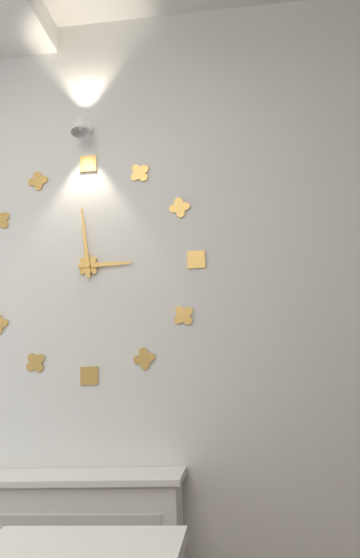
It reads {"hour": 2, "minute": 59}
